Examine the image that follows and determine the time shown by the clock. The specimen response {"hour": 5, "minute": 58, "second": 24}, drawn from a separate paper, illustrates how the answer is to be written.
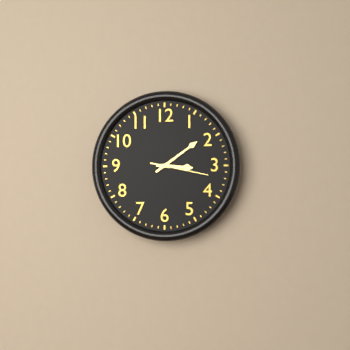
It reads {"hour": 3, "minute": 9, "second": 17}
